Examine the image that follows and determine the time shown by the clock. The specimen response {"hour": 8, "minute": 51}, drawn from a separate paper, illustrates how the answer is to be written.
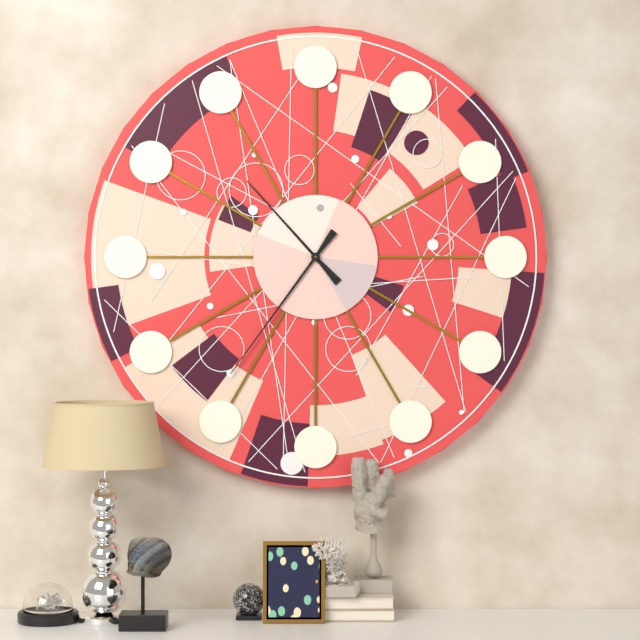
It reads {"hour": 10, "minute": 36}
